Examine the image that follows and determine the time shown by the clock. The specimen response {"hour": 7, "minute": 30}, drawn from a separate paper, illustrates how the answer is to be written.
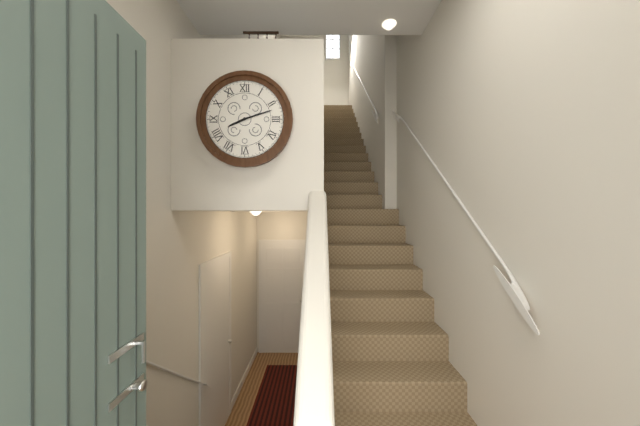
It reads {"hour": 8, "minute": 12}
